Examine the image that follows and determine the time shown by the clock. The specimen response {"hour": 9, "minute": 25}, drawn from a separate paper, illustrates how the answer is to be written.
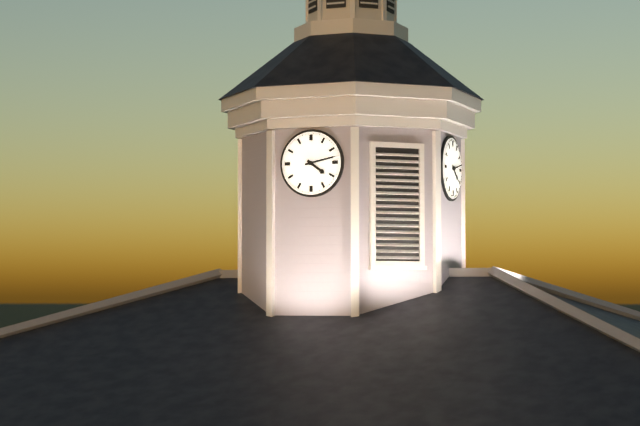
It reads {"hour": 4, "minute": 13}
